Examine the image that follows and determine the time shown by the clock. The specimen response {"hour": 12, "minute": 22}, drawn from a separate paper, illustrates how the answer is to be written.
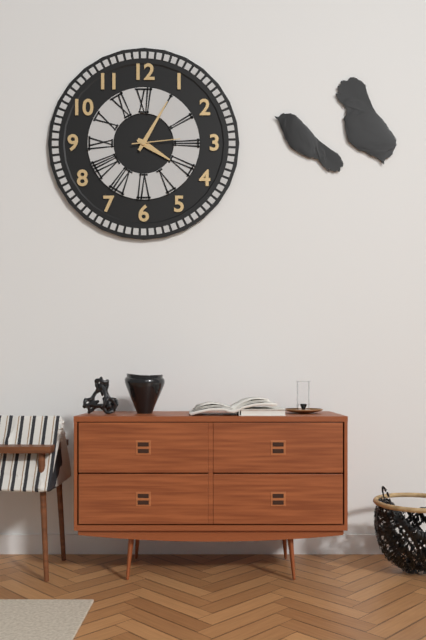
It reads {"hour": 4, "minute": 5}
